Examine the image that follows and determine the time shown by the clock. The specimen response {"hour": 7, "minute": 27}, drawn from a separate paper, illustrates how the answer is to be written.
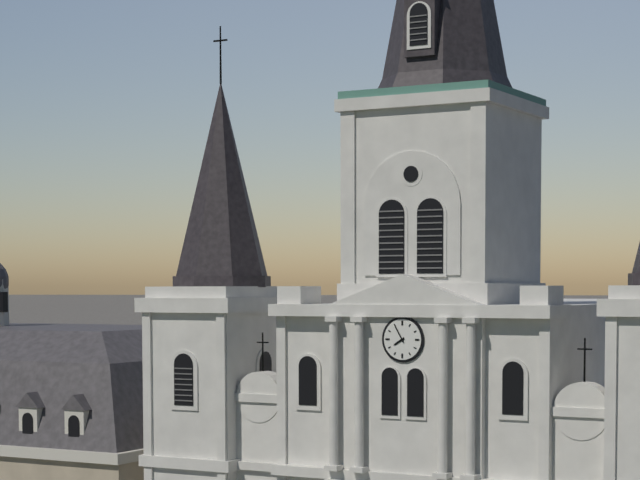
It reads {"hour": 7, "minute": 55}
